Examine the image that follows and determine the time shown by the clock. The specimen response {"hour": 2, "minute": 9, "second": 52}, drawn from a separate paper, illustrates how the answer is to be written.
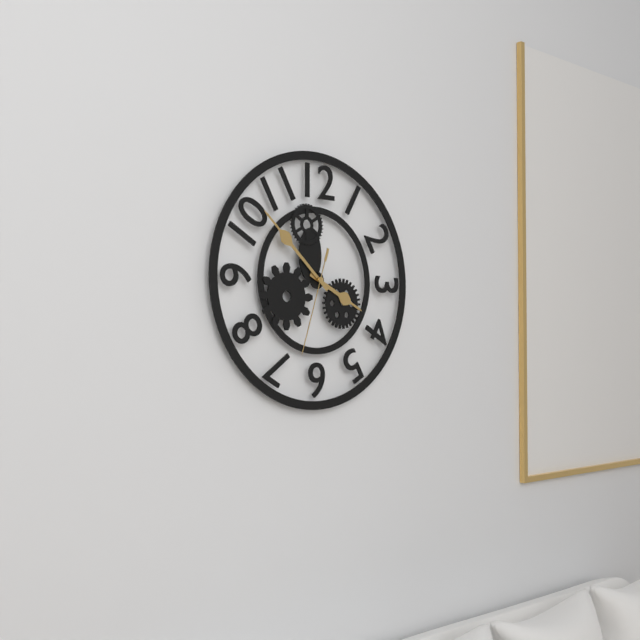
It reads {"hour": 3, "minute": 52, "second": 33}
